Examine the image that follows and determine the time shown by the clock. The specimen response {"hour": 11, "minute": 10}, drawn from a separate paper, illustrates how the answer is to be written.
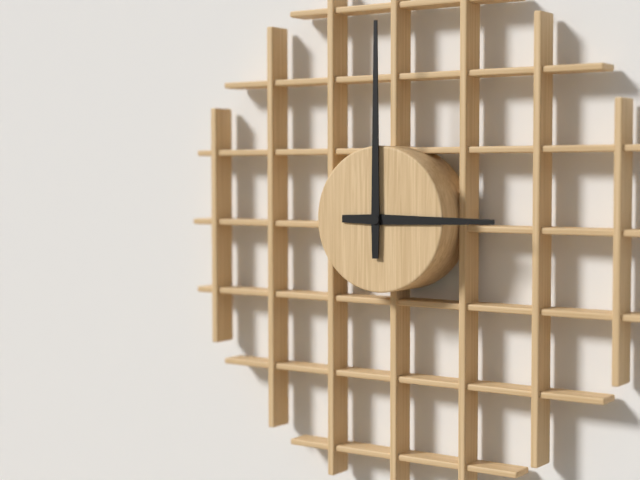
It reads {"hour": 3, "minute": 0}
